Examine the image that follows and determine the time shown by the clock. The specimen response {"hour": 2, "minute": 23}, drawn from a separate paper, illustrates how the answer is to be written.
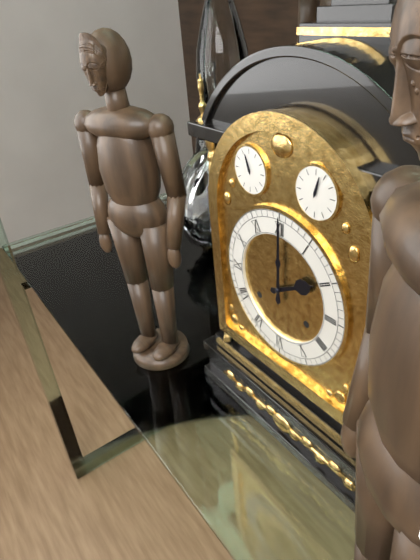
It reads {"hour": 2, "minute": 0}
